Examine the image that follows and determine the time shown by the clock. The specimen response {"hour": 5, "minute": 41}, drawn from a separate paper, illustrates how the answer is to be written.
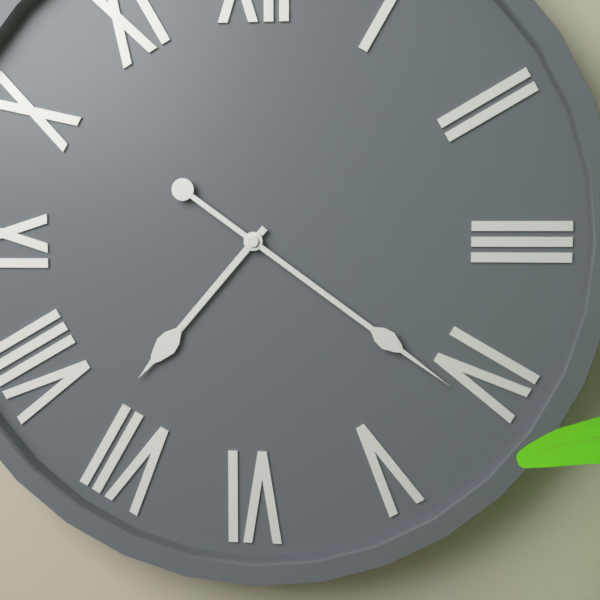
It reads {"hour": 7, "minute": 21}
